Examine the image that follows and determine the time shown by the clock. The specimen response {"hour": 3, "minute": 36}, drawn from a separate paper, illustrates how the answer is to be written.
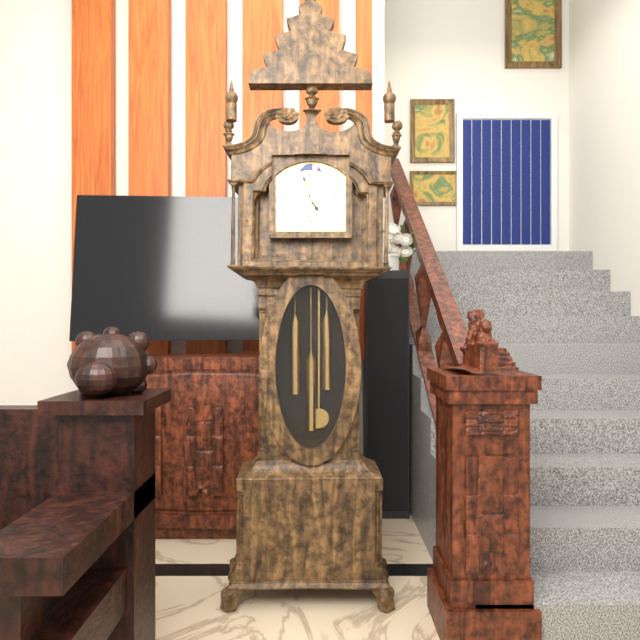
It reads {"hour": 4, "minute": 57}
